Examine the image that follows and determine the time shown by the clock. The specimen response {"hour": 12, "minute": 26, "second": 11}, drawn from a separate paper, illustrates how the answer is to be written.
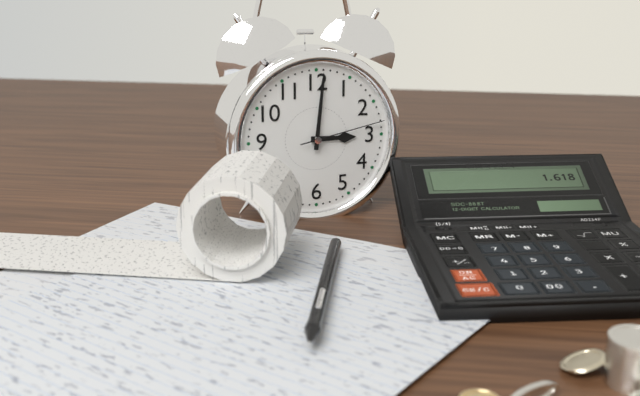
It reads {"hour": 3, "minute": 1, "second": 13}
